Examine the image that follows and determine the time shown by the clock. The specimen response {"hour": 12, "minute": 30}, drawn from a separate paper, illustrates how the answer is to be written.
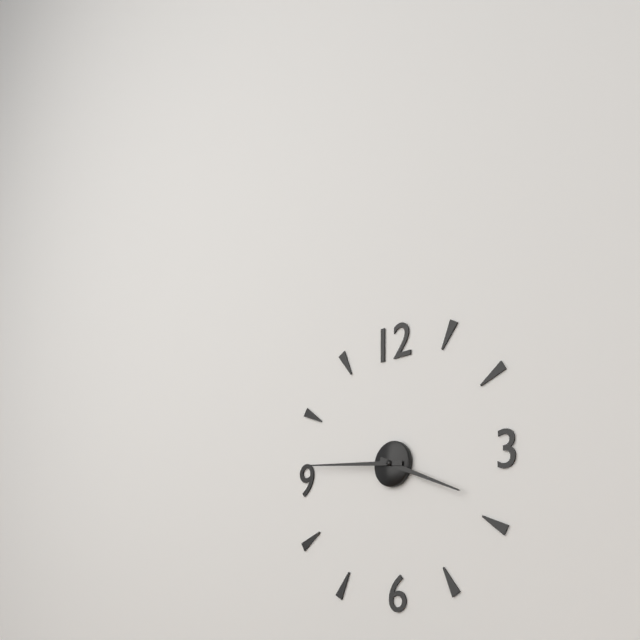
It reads {"hour": 3, "minute": 46}
